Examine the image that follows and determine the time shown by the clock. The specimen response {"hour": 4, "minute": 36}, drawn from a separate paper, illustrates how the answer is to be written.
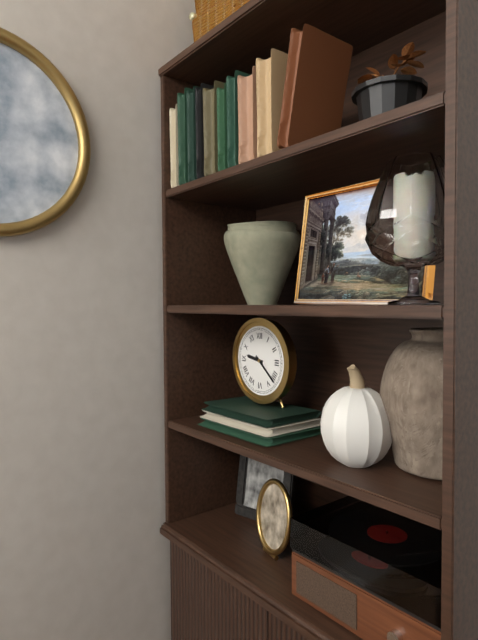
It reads {"hour": 9, "minute": 22}
